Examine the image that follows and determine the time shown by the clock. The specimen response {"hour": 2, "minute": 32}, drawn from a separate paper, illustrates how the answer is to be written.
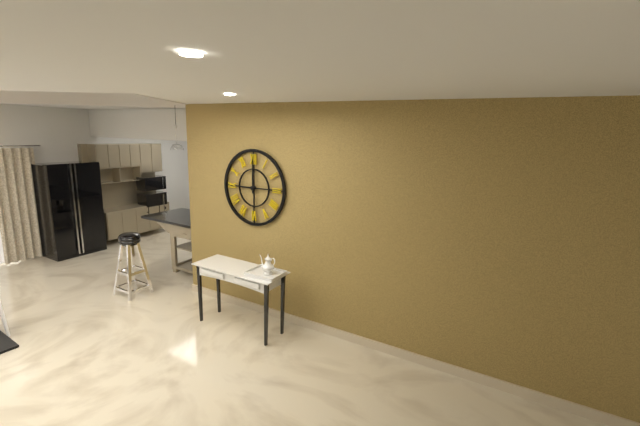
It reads {"hour": 9, "minute": 0}
